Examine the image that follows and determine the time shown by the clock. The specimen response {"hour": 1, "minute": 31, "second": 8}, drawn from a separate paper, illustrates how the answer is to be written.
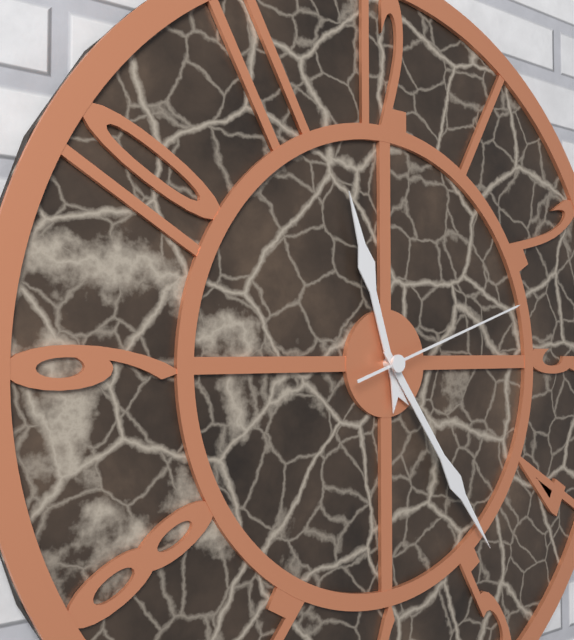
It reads {"hour": 11, "minute": 24, "second": 12}
